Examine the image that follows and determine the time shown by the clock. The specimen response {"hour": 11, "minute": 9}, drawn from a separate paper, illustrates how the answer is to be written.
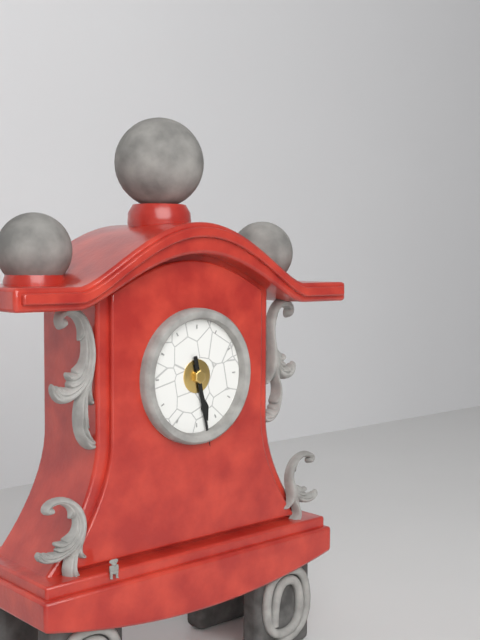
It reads {"hour": 5, "minute": 28}
